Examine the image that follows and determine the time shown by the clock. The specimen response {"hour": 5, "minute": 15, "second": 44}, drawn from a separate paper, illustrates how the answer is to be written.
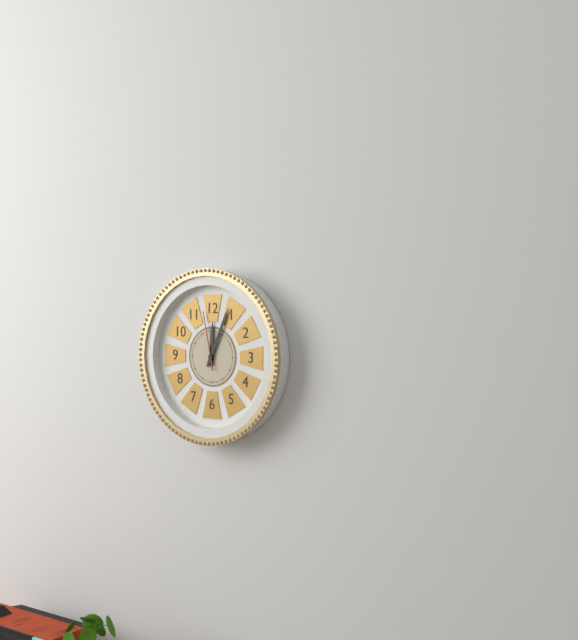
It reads {"hour": 12, "minute": 4, "second": 58}
